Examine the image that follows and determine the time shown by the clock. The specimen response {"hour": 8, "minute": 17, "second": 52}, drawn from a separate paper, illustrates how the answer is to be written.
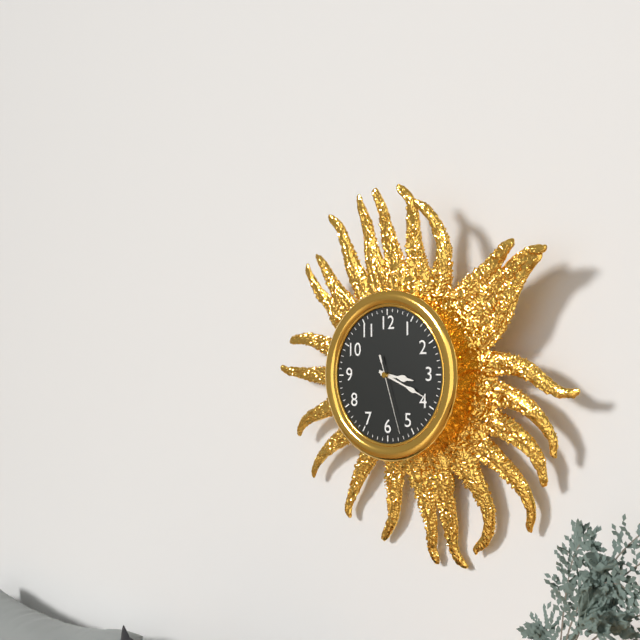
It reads {"hour": 3, "minute": 19, "second": 27}
